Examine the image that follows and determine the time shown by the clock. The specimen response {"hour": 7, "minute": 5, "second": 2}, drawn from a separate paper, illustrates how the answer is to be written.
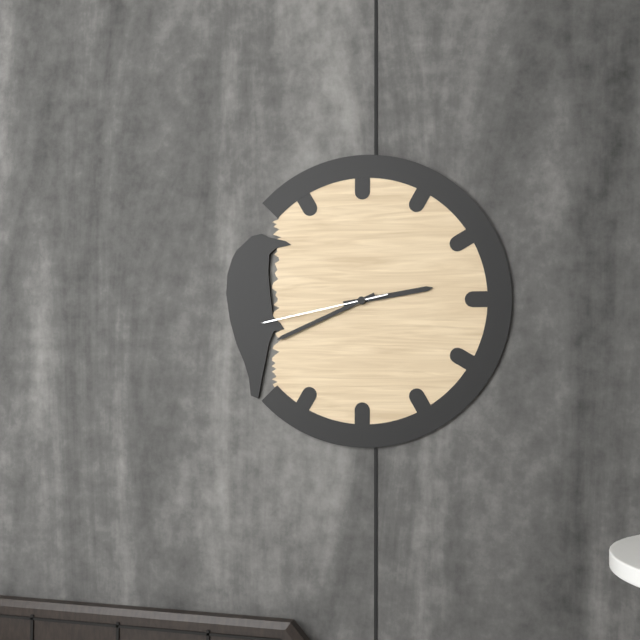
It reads {"hour": 2, "minute": 41, "second": 43}
